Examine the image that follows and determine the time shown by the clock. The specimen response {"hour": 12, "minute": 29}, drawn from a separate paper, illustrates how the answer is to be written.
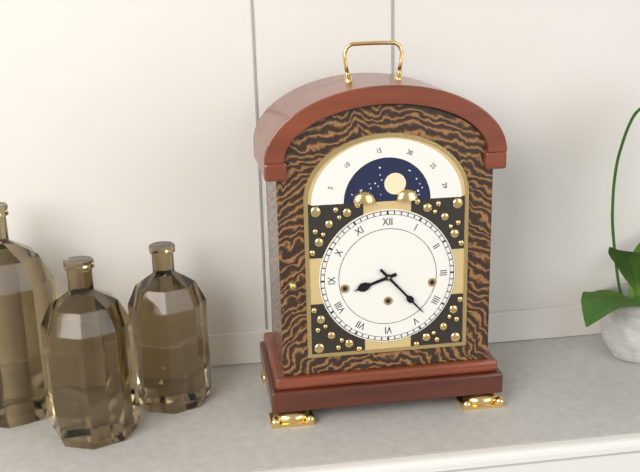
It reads {"hour": 8, "minute": 23}
